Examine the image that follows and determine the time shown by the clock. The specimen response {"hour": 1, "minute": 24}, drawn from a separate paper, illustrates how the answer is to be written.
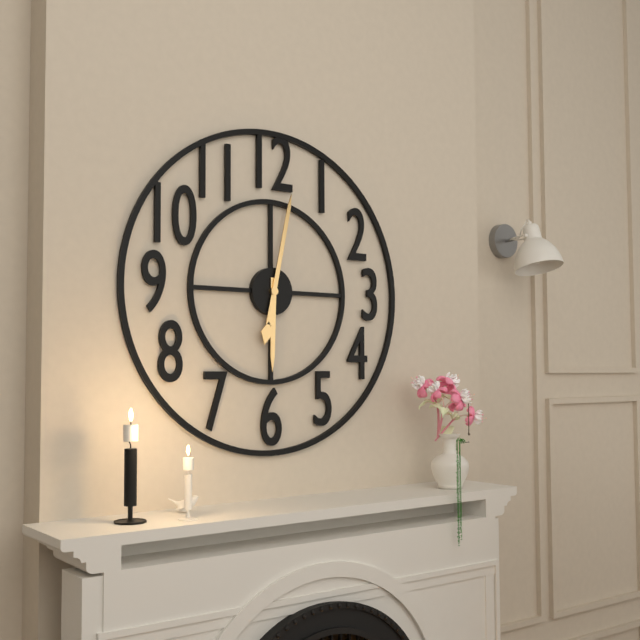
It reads {"hour": 6, "minute": 2}
